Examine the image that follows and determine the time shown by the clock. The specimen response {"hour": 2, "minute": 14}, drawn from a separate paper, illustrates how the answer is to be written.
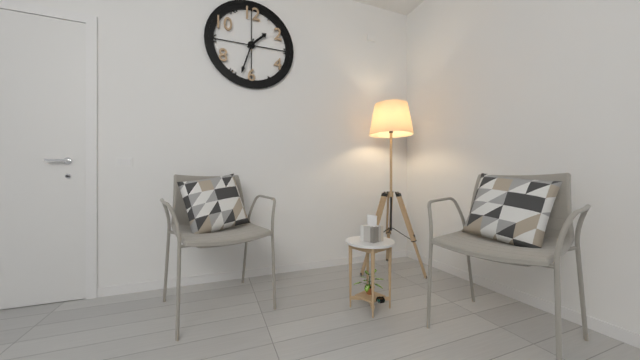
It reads {"hour": 1, "minute": 33}
